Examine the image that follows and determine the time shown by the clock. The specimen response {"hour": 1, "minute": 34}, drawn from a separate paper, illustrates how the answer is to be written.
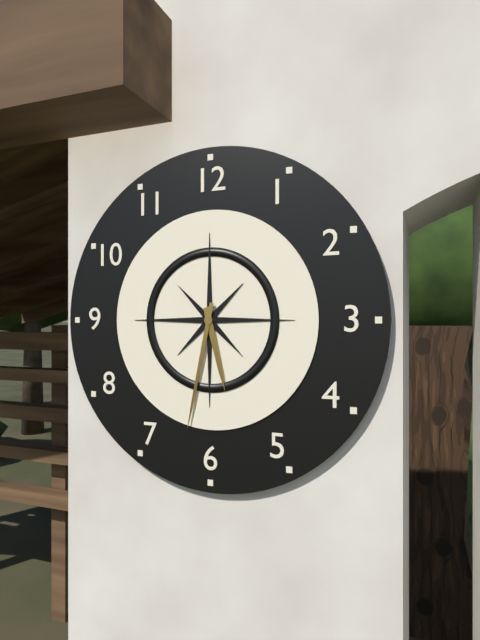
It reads {"hour": 5, "minute": 32}
